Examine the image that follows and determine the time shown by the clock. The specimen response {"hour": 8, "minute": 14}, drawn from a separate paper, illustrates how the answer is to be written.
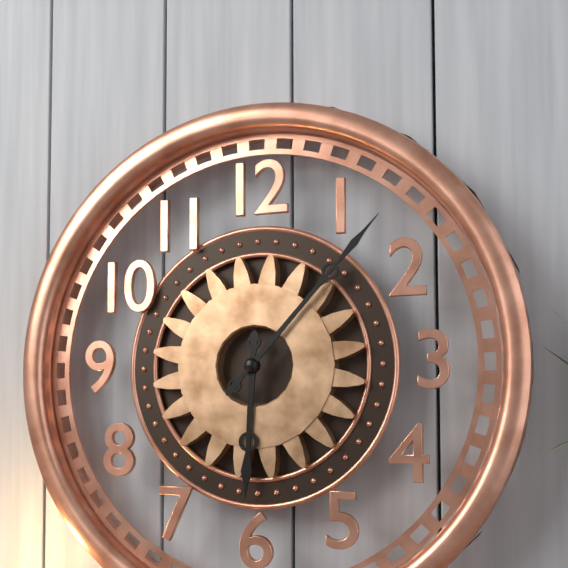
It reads {"hour": 6, "minute": 7}
